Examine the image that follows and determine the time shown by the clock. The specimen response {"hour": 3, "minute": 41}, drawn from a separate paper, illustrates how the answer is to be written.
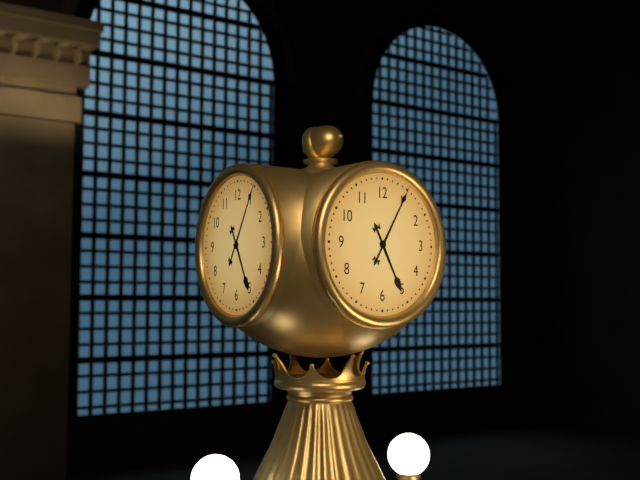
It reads {"hour": 5, "minute": 5}
